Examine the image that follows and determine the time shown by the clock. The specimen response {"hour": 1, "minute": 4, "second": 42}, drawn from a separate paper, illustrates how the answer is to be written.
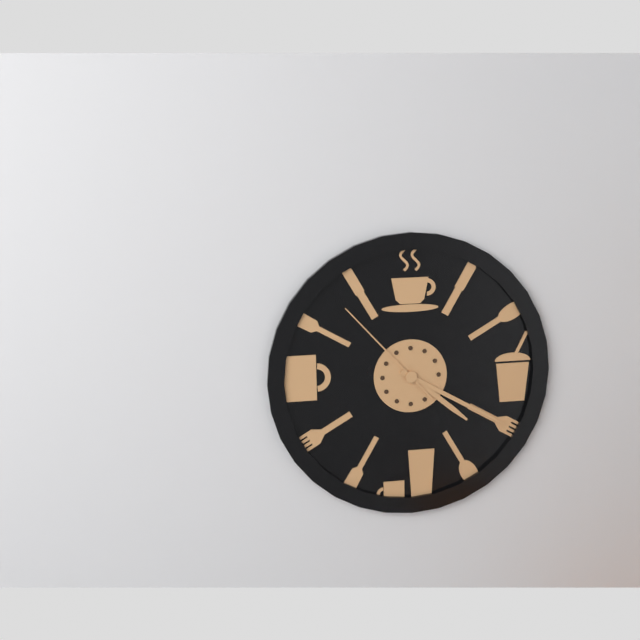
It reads {"hour": 4, "minute": 20, "second": 53}
